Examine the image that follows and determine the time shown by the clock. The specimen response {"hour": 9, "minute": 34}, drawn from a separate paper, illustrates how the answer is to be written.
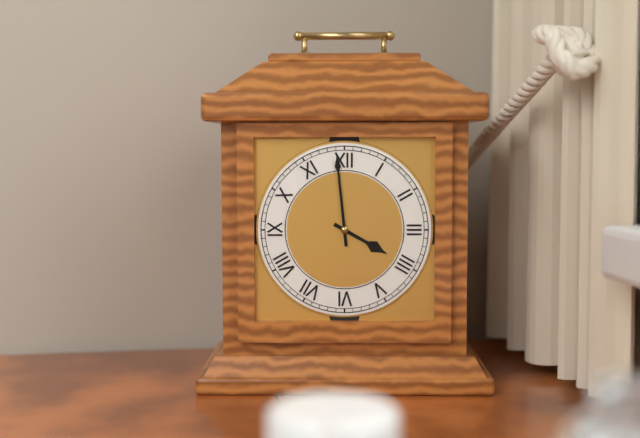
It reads {"hour": 3, "minute": 59}
